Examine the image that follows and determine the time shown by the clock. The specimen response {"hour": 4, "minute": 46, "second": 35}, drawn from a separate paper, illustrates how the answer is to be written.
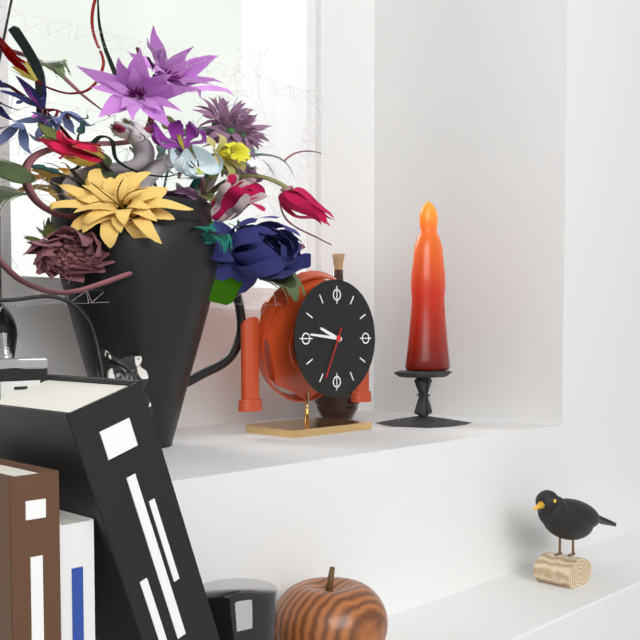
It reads {"hour": 9, "minute": 46, "second": 34}
